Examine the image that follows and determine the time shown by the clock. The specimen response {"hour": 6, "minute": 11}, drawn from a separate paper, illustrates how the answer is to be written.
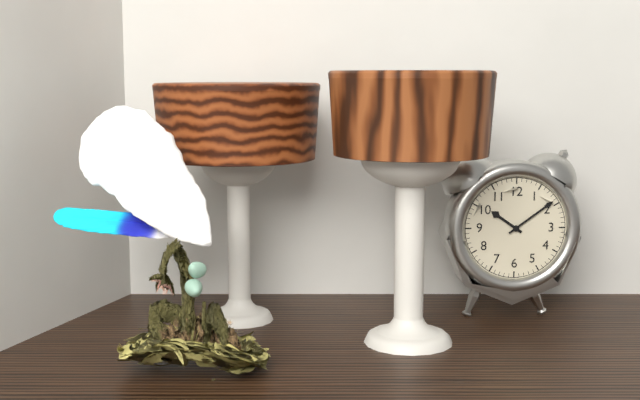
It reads {"hour": 10, "minute": 9}
